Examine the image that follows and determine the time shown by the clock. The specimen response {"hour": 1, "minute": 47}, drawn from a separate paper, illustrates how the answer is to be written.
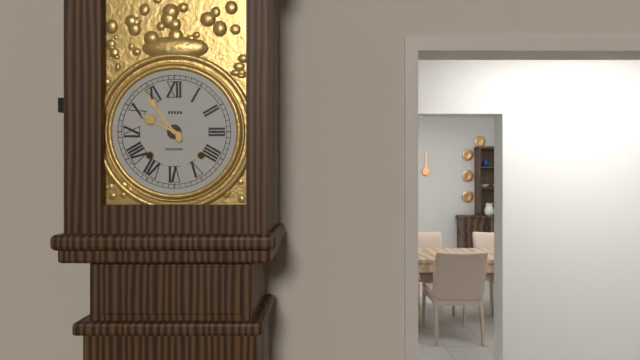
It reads {"hour": 9, "minute": 54}
